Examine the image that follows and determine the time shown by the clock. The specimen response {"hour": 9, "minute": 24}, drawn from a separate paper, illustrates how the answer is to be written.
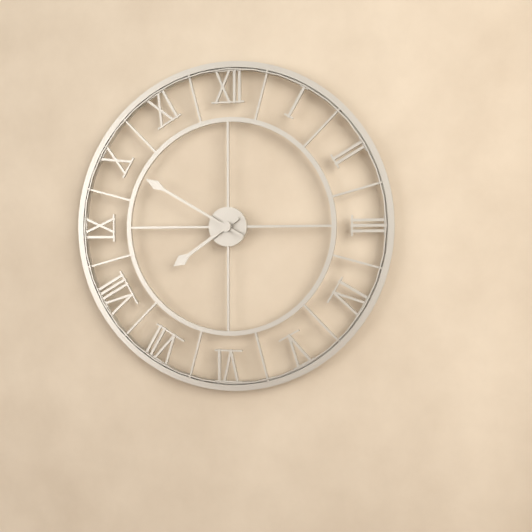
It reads {"hour": 7, "minute": 50}
